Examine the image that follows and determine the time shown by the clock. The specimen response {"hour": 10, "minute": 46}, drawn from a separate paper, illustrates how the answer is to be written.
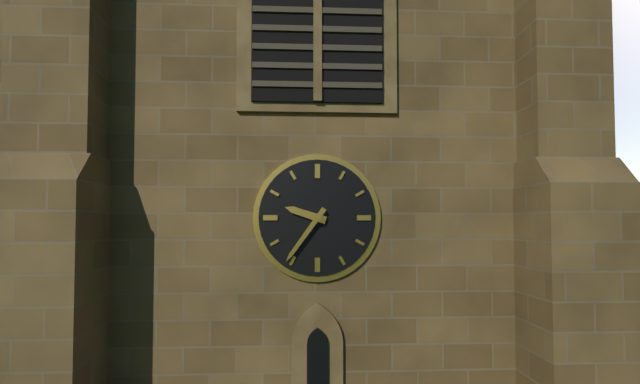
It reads {"hour": 9, "minute": 36}
